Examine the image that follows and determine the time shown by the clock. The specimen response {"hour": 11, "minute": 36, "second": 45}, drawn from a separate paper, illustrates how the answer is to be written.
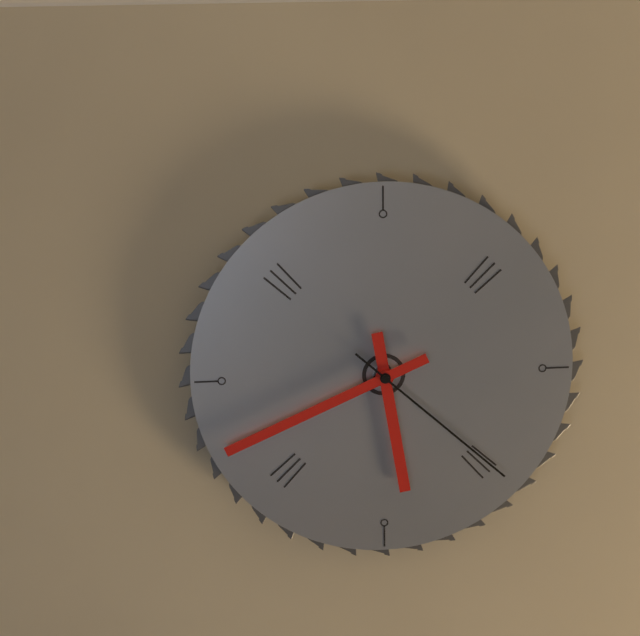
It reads {"hour": 5, "minute": 41, "second": 22}
